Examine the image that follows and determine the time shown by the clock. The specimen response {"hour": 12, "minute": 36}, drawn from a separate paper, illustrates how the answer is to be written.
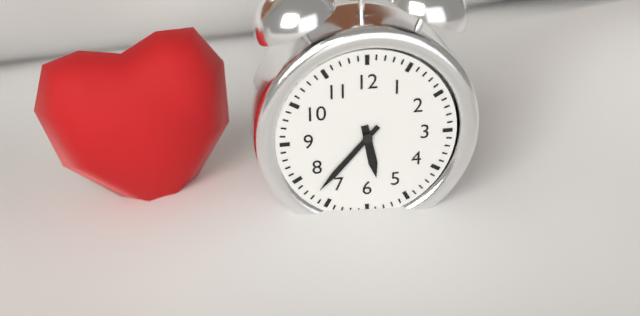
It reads {"hour": 5, "minute": 37}
